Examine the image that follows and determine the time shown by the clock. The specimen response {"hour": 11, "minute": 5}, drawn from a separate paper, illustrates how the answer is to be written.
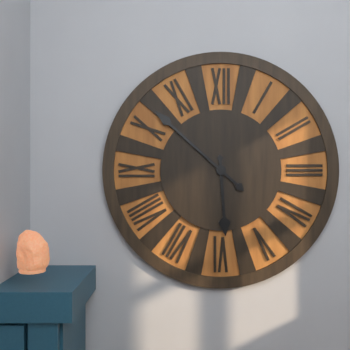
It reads {"hour": 5, "minute": 52}
